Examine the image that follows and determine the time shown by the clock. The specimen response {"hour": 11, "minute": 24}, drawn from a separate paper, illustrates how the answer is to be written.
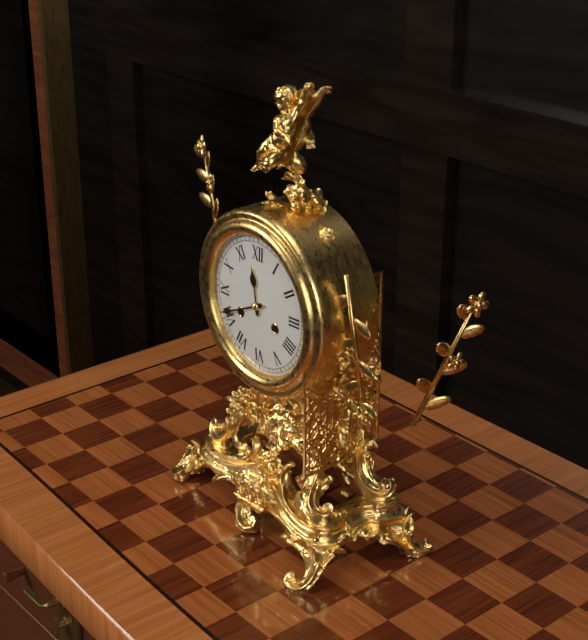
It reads {"hour": 11, "minute": 41}
